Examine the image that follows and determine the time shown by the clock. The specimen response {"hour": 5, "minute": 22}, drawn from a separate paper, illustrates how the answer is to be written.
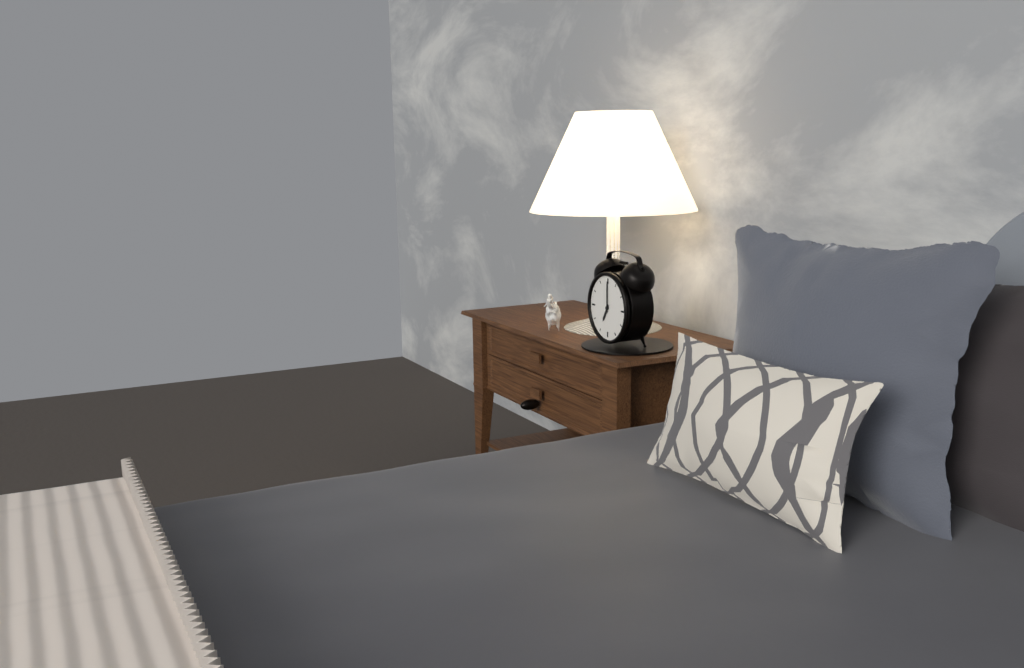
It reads {"hour": 7, "minute": 0}
